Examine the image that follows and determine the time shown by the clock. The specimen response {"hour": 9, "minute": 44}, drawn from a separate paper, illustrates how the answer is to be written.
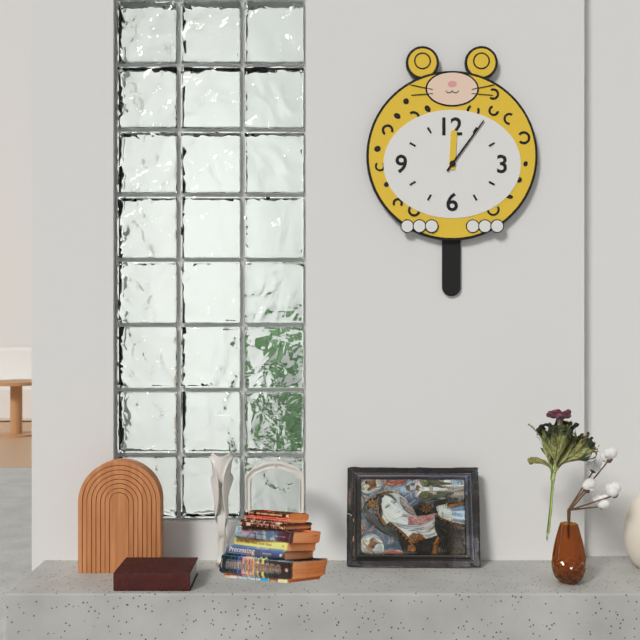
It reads {"hour": 12, "minute": 6}
